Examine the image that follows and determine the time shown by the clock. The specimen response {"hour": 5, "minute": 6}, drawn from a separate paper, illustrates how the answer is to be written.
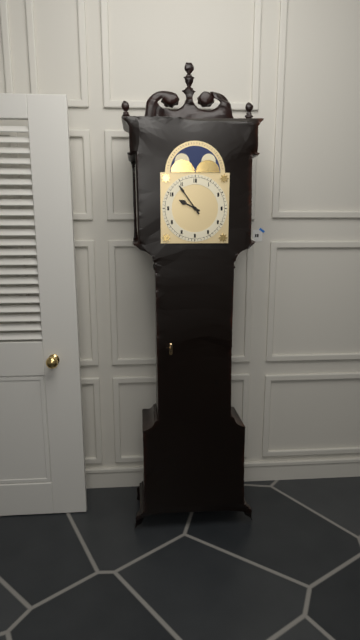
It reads {"hour": 9, "minute": 54}
